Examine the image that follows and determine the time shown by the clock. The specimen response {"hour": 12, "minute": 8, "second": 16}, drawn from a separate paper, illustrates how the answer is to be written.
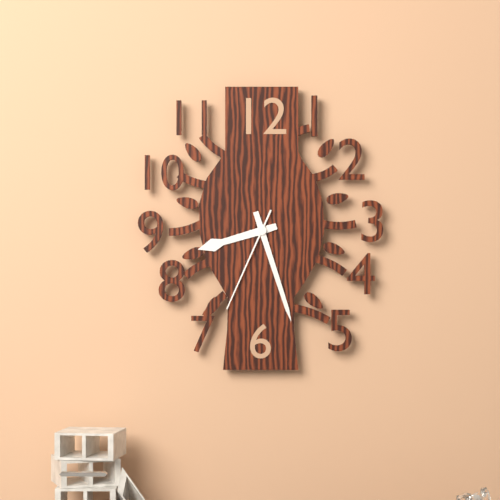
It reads {"hour": 8, "minute": 27, "second": 34}
